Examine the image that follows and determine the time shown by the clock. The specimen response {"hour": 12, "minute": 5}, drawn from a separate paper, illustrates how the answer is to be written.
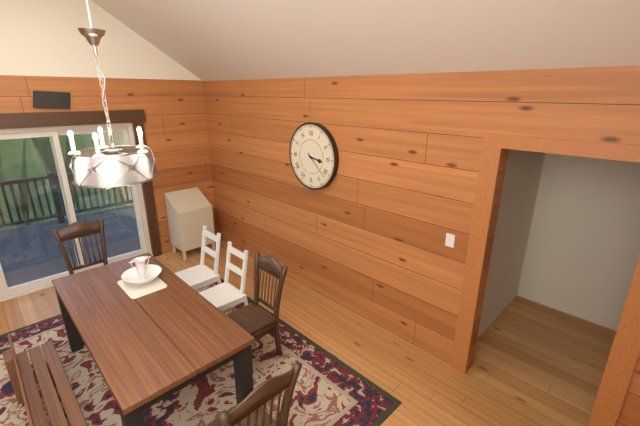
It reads {"hour": 3, "minute": 22}
